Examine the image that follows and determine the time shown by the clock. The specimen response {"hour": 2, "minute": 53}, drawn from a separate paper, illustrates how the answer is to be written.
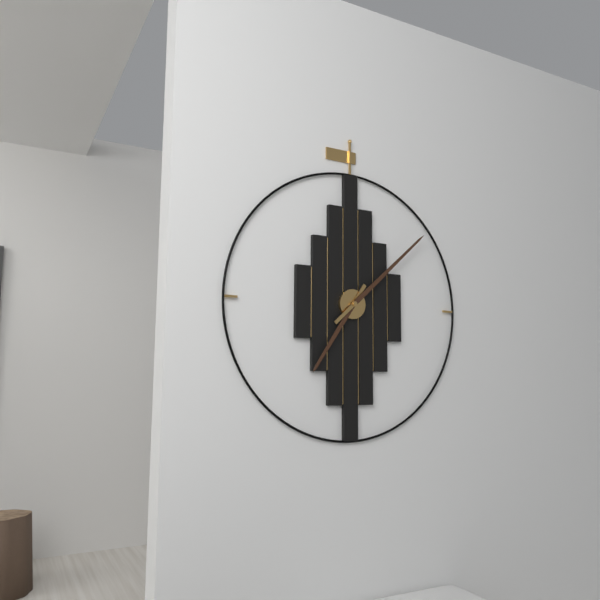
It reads {"hour": 7, "minute": 8}
